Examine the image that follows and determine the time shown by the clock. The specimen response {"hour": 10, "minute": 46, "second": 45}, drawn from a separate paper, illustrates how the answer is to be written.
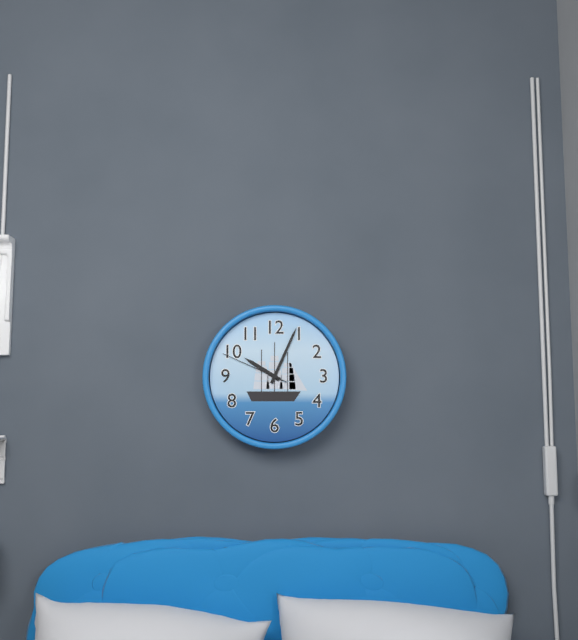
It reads {"hour": 10, "minute": 4, "second": 49}
